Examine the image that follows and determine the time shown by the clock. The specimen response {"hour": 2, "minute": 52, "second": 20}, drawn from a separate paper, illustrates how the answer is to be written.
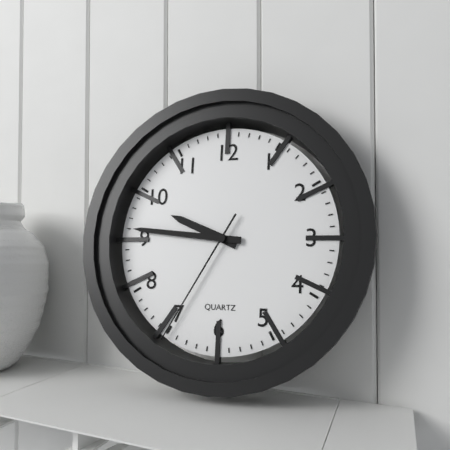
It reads {"hour": 9, "minute": 46, "second": 35}
